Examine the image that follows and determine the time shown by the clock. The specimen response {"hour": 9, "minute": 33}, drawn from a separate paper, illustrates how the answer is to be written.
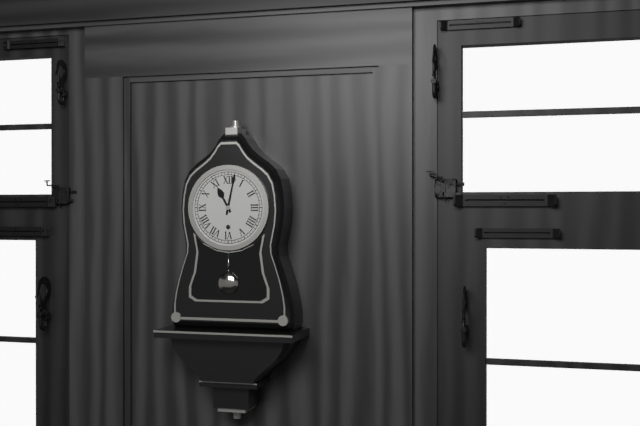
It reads {"hour": 11, "minute": 2}
